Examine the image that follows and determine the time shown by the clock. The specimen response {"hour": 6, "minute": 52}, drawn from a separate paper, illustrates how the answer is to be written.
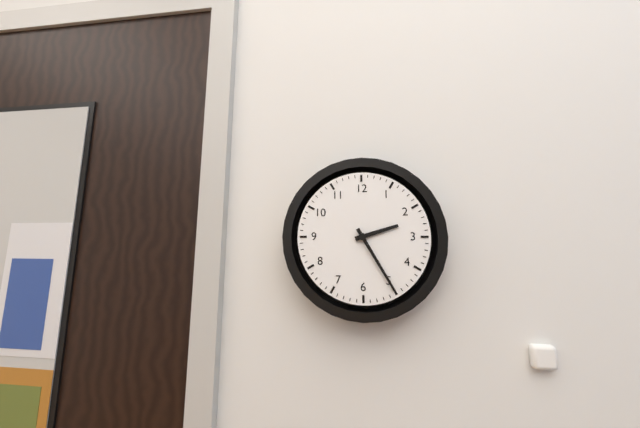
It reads {"hour": 2, "minute": 25}
